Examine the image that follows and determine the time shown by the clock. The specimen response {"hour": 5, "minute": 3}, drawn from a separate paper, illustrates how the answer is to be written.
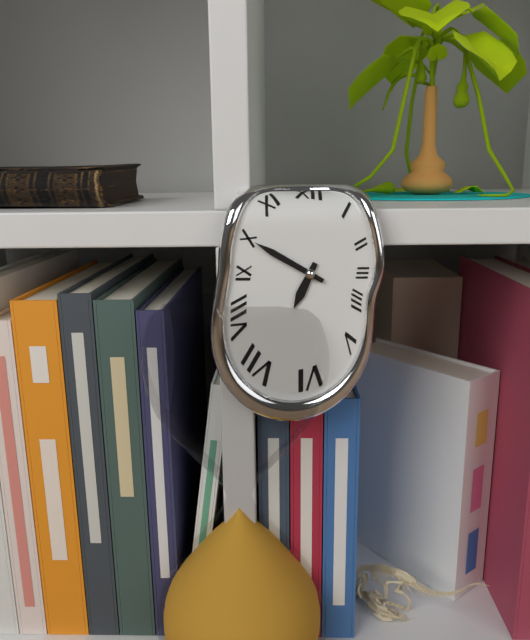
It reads {"hour": 6, "minute": 50}
